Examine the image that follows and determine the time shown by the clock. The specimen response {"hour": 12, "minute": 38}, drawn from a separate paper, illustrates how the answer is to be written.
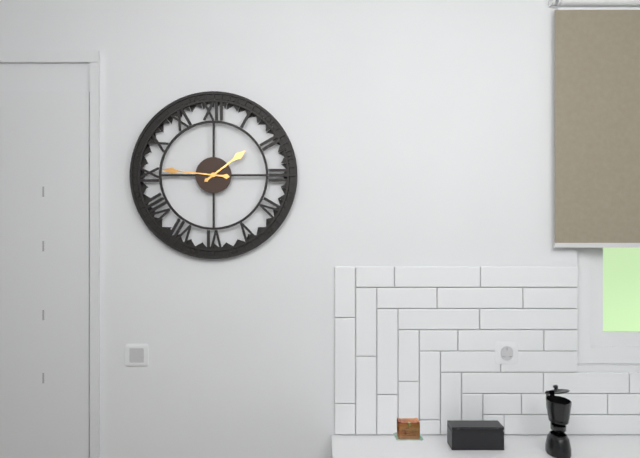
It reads {"hour": 1, "minute": 46}
